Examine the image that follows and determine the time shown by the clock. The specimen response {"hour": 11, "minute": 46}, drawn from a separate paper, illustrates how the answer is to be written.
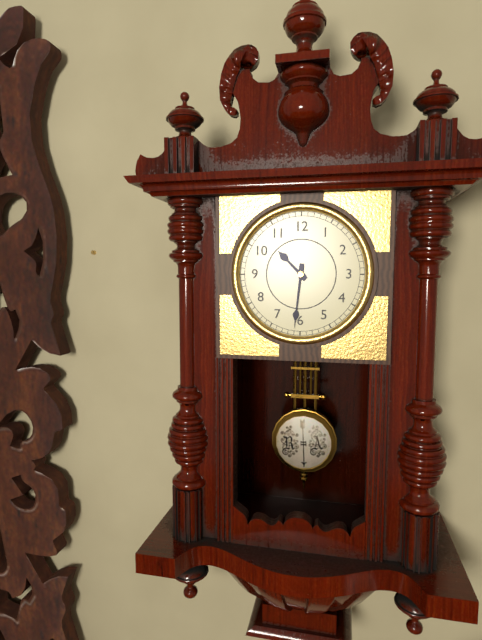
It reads {"hour": 10, "minute": 31}
